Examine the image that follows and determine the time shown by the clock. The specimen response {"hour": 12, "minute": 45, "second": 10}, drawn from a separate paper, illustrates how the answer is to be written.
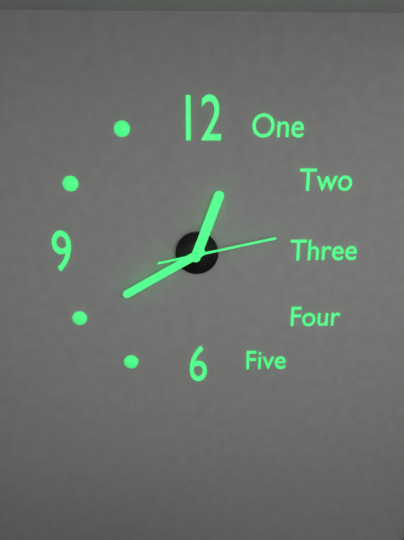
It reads {"hour": 12, "minute": 40, "second": 13}
